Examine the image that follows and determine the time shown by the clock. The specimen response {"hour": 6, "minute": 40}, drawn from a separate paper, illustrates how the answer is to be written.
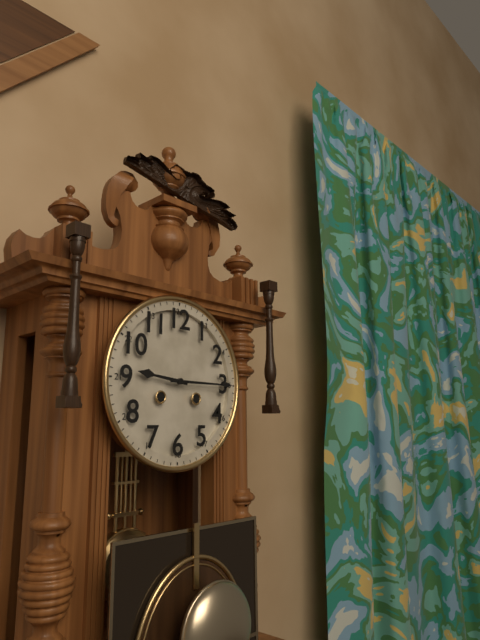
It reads {"hour": 9, "minute": 15}
